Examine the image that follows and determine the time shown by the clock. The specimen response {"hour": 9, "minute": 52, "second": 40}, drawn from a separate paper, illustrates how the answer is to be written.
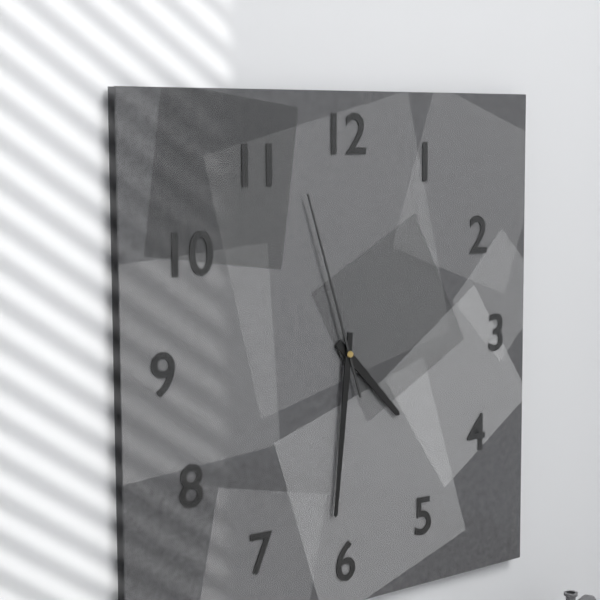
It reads {"hour": 4, "minute": 31, "second": 57}
